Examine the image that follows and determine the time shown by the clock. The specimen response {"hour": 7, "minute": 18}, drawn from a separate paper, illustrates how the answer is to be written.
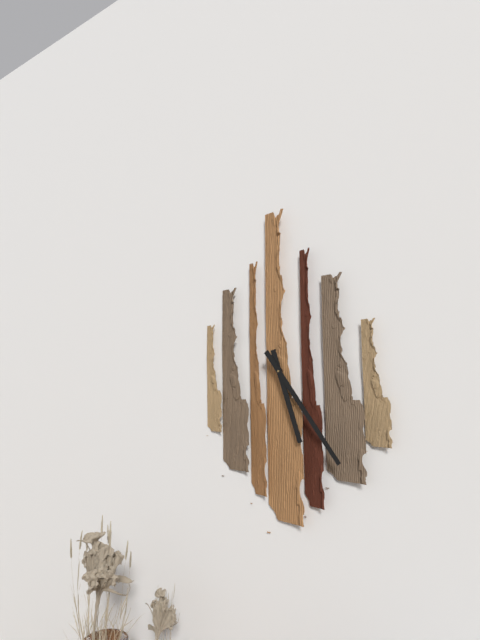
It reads {"hour": 5, "minute": 24}
